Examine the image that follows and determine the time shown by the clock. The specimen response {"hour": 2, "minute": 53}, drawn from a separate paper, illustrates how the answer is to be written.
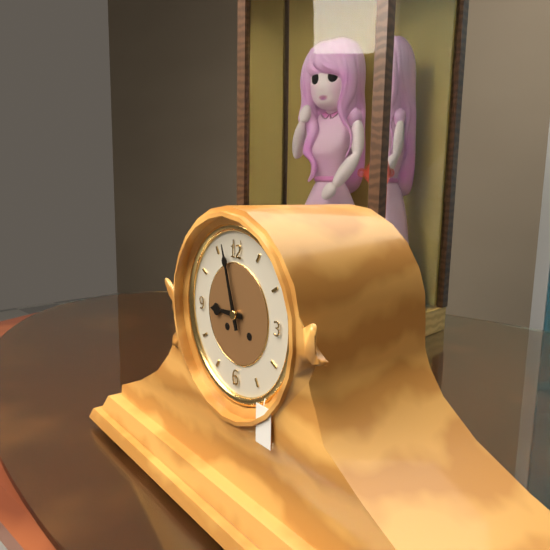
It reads {"hour": 8, "minute": 57}
